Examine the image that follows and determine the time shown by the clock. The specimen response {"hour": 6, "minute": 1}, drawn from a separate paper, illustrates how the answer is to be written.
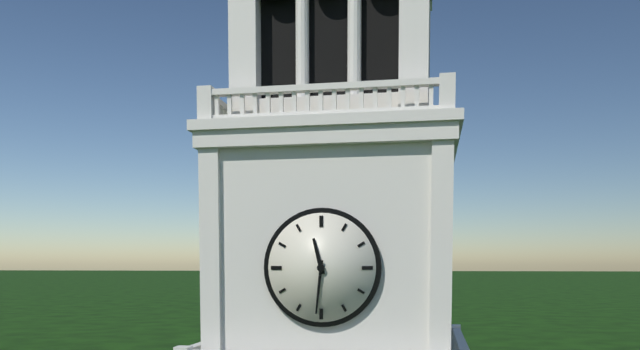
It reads {"hour": 11, "minute": 31}
